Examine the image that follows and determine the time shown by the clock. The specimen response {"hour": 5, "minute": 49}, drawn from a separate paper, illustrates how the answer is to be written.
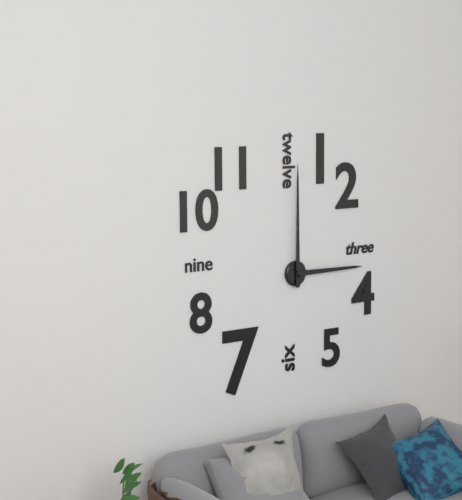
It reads {"hour": 3, "minute": 0}
